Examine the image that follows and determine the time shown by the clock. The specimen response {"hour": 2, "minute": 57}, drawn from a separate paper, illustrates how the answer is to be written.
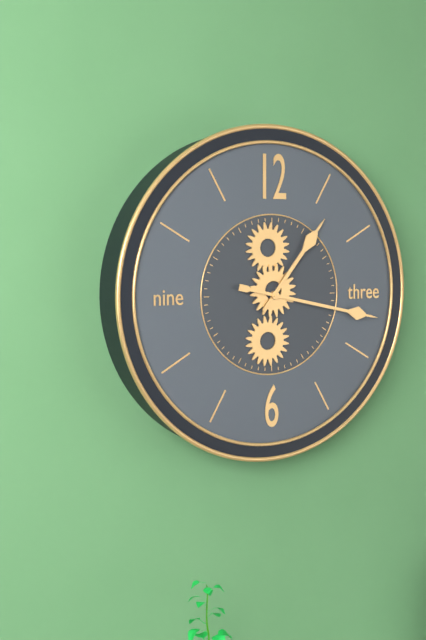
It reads {"hour": 1, "minute": 17}
